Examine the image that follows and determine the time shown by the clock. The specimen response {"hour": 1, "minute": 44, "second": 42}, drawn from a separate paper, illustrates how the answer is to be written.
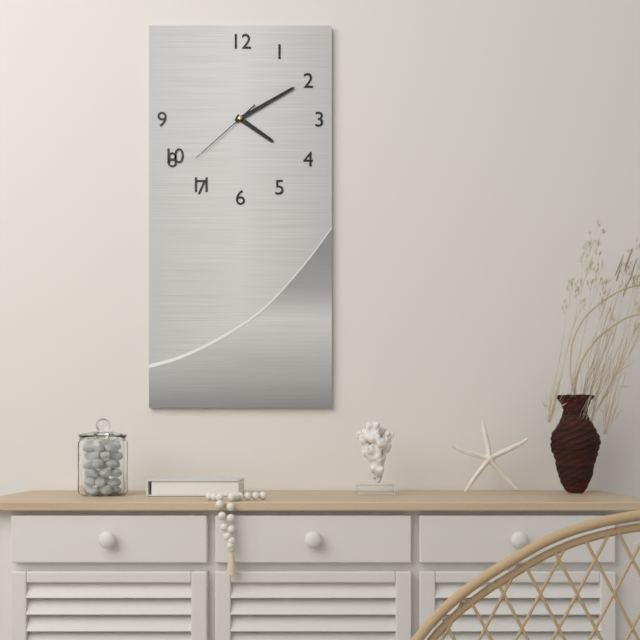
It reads {"hour": 4, "minute": 10, "second": 38}
